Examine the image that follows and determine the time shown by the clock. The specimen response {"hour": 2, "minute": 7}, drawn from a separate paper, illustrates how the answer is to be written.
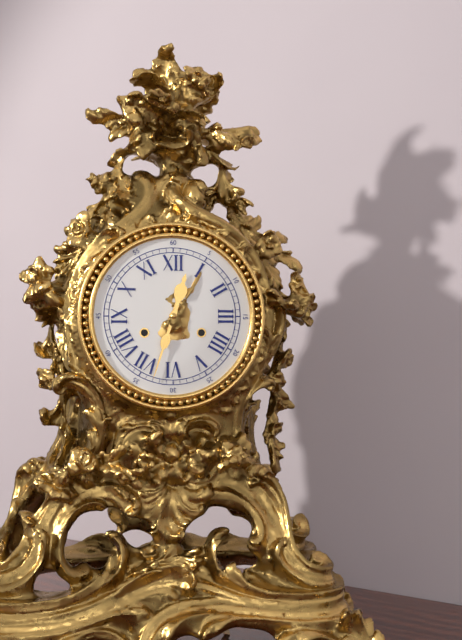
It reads {"hour": 12, "minute": 33}
